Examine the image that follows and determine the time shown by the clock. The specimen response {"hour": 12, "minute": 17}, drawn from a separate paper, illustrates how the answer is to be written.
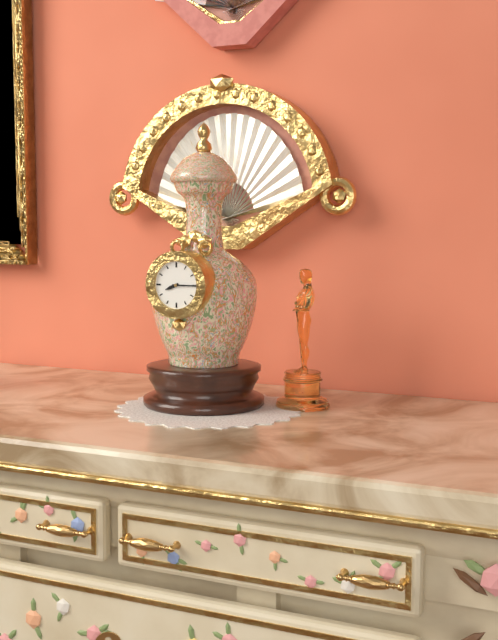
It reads {"hour": 8, "minute": 15}
